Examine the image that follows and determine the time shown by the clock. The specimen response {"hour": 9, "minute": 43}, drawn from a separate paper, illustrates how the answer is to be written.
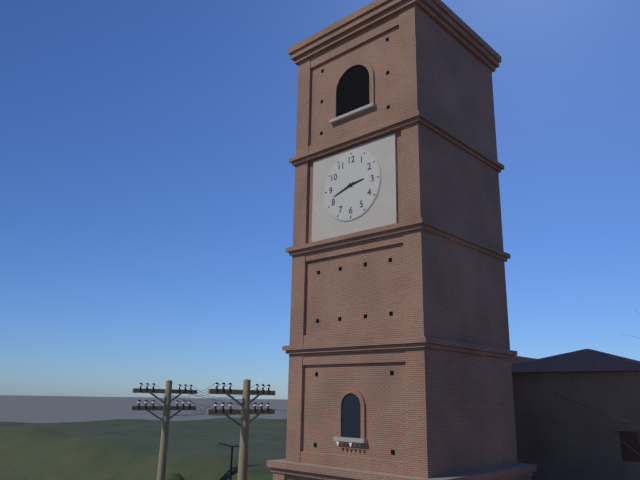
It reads {"hour": 2, "minute": 42}
